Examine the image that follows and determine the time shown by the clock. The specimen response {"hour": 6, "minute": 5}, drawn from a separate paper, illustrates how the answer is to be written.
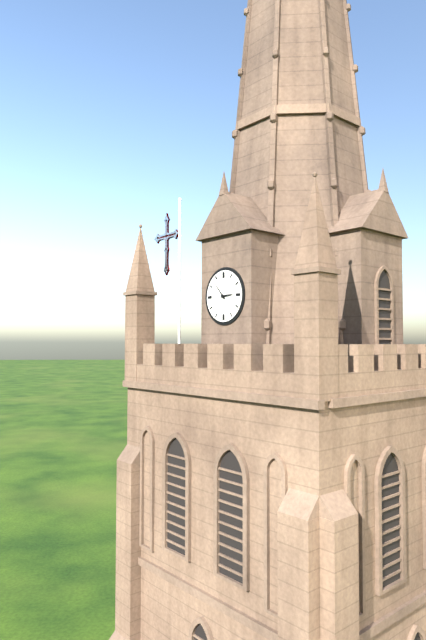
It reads {"hour": 2, "minute": 53}
